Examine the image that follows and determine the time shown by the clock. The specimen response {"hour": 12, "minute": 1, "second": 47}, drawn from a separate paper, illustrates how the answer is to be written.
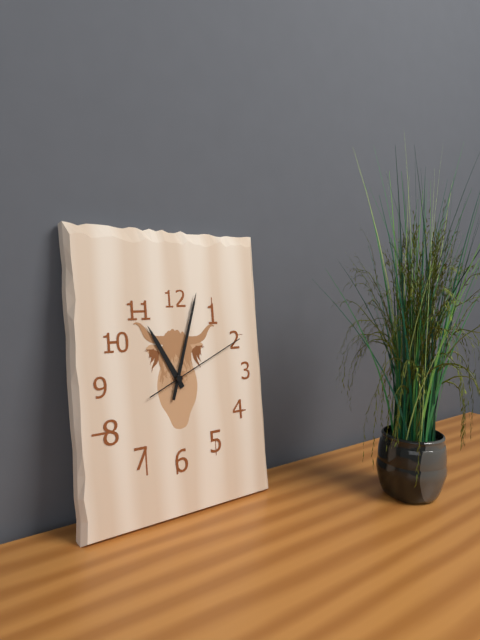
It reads {"hour": 11, "minute": 3, "second": 11}
